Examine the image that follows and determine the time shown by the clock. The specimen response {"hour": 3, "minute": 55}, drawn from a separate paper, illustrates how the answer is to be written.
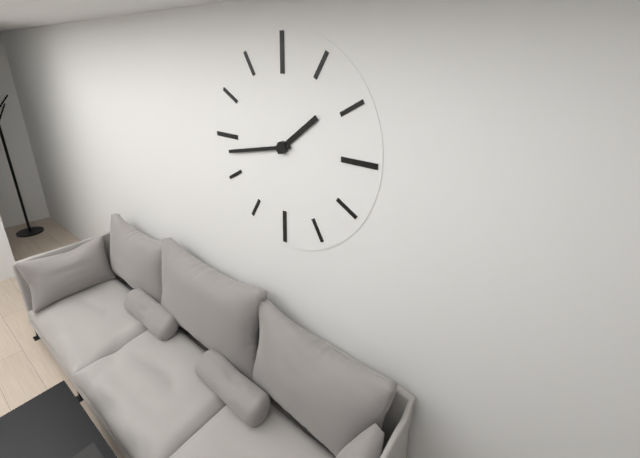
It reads {"hour": 1, "minute": 43}
